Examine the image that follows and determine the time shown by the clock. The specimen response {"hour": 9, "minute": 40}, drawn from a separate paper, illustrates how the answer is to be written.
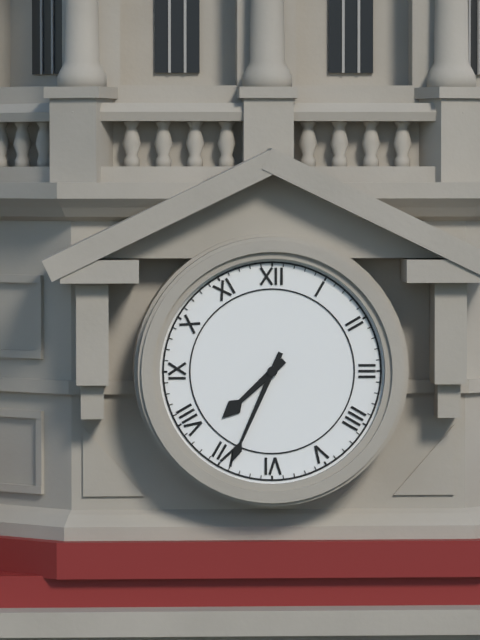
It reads {"hour": 7, "minute": 34}
